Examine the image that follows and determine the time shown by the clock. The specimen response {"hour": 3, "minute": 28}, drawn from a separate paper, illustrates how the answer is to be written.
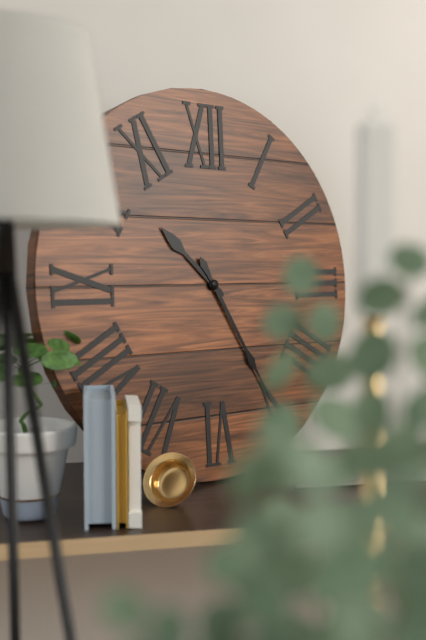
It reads {"hour": 10, "minute": 25}
